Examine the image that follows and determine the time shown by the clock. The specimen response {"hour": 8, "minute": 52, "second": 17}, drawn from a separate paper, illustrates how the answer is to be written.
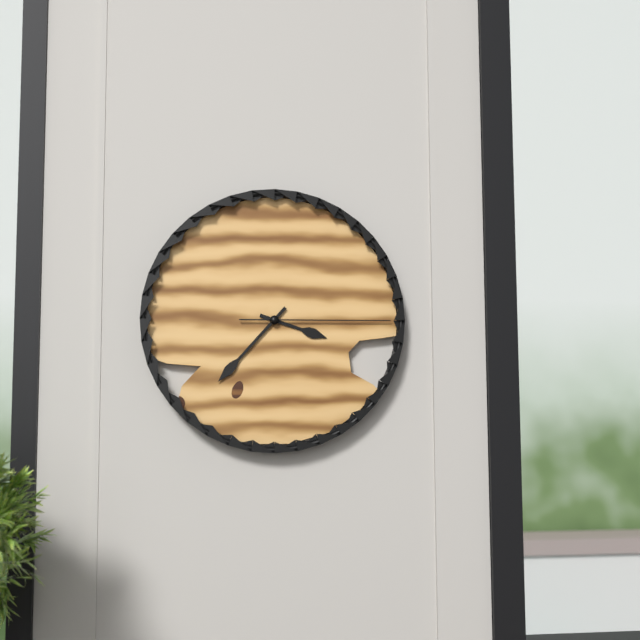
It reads {"hour": 3, "minute": 37, "second": 15}
